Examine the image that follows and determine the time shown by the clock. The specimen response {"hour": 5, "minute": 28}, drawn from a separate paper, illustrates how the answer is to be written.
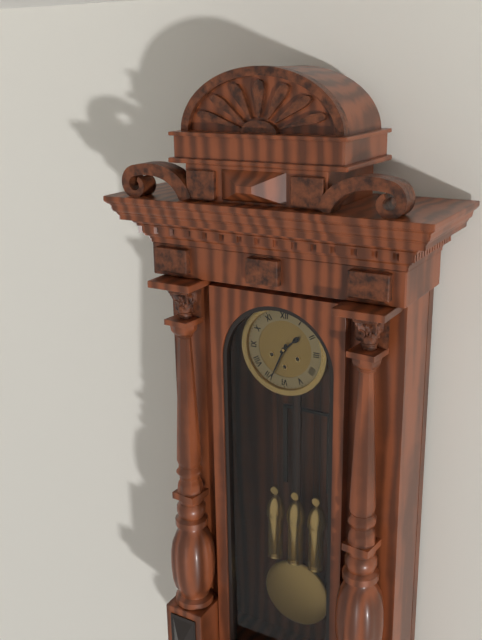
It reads {"hour": 1, "minute": 34}
